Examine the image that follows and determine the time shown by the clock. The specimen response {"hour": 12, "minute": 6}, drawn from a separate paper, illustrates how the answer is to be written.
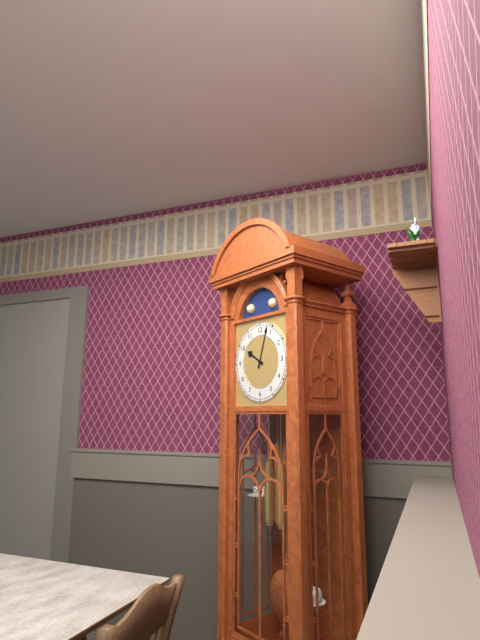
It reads {"hour": 10, "minute": 3}
